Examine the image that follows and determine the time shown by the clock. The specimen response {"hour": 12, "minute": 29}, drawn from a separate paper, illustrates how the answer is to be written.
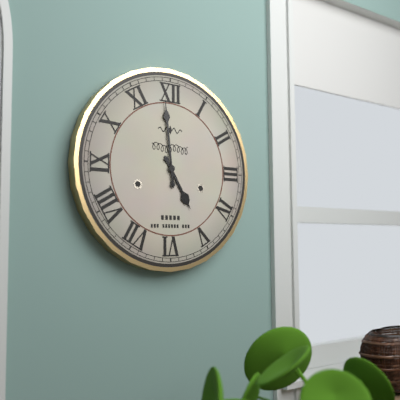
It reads {"hour": 4, "minute": 59}
